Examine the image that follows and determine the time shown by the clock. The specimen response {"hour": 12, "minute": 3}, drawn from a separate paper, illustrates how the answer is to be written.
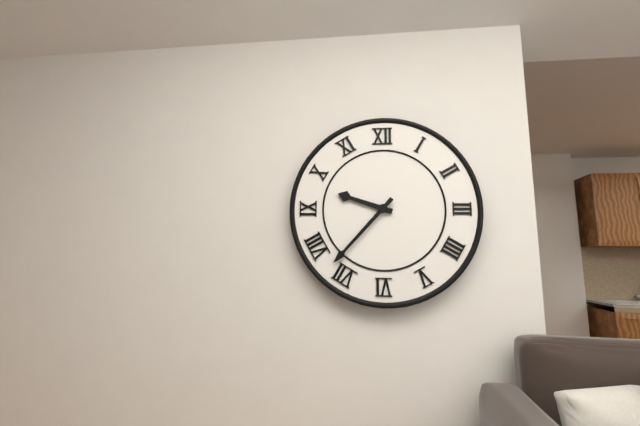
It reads {"hour": 9, "minute": 37}
